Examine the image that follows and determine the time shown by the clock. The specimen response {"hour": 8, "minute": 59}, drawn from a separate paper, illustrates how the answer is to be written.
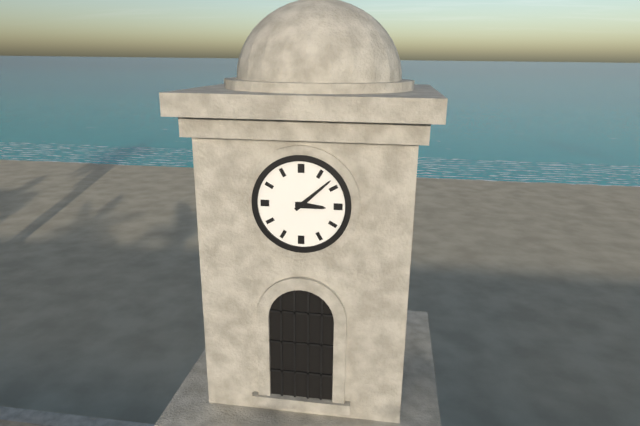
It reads {"hour": 3, "minute": 8}
